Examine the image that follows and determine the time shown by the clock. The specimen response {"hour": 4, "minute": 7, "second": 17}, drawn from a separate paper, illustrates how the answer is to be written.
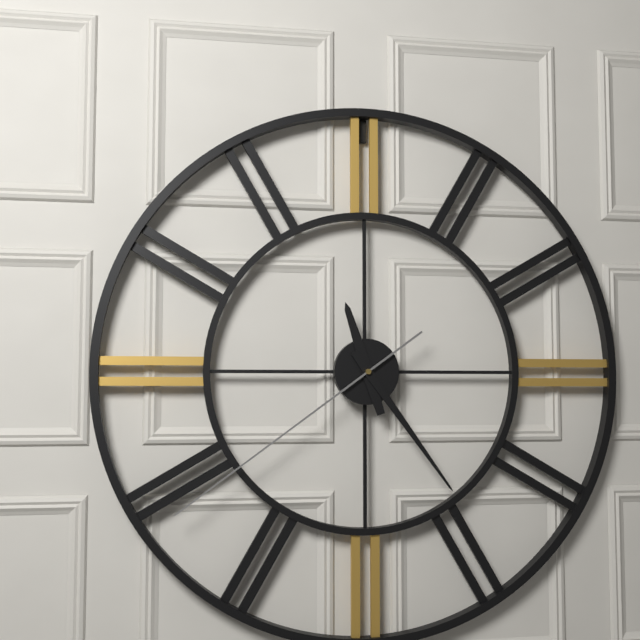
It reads {"hour": 11, "minute": 24, "second": 39}
